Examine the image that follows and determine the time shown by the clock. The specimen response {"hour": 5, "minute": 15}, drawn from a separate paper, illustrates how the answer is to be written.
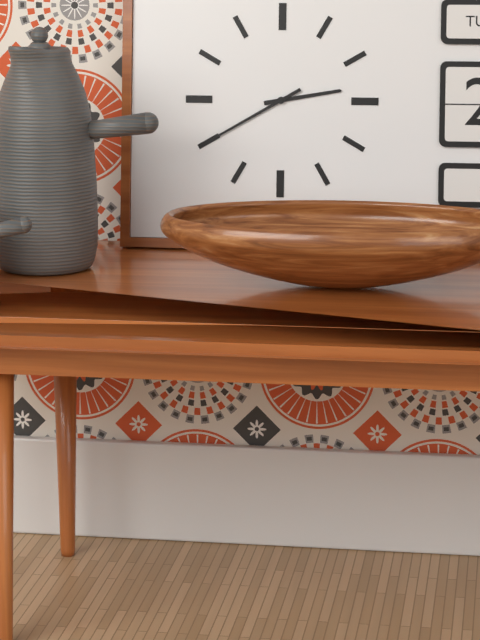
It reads {"hour": 2, "minute": 40}
